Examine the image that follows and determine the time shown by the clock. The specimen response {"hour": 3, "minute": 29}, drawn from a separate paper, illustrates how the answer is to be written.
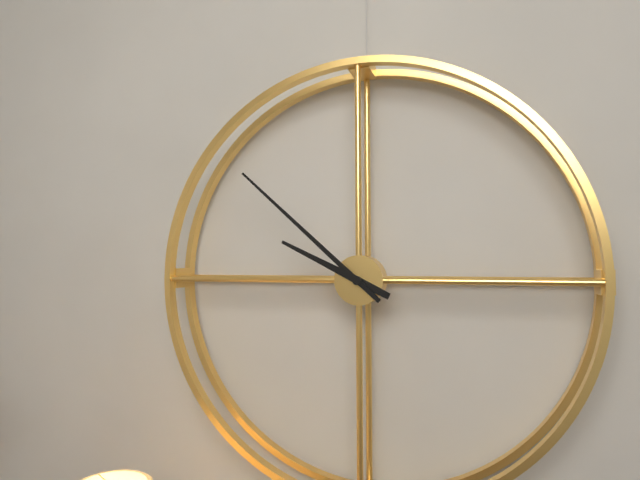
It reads {"hour": 9, "minute": 52}
